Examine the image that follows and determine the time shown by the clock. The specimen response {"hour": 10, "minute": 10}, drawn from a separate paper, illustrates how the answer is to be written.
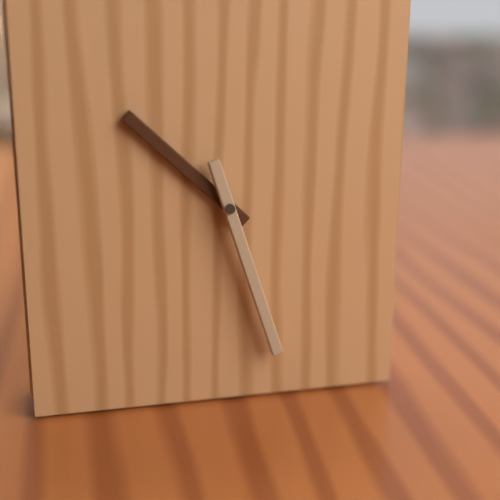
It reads {"hour": 10, "minute": 27}
